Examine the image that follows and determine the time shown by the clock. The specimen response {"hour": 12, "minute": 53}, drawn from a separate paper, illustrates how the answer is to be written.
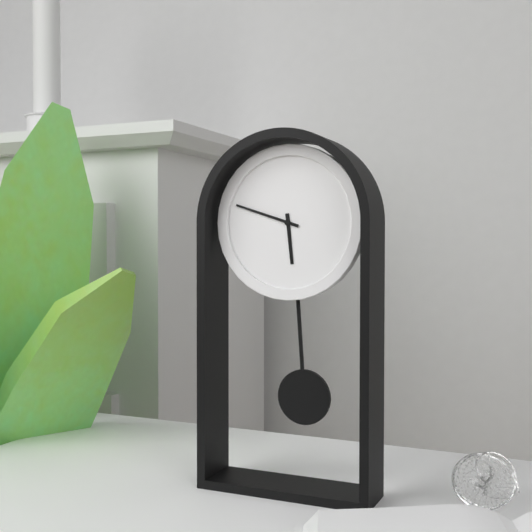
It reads {"hour": 5, "minute": 48}
